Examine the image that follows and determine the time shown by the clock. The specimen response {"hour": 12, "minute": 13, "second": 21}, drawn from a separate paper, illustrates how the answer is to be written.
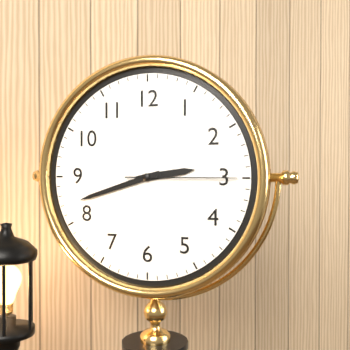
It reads {"hour": 2, "minute": 42, "second": 15}
